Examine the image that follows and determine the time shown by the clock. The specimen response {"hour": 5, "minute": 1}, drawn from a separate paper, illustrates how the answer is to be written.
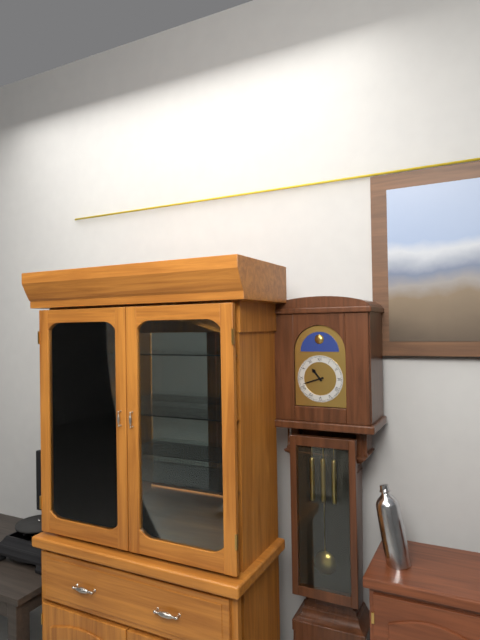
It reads {"hour": 10, "minute": 42}
